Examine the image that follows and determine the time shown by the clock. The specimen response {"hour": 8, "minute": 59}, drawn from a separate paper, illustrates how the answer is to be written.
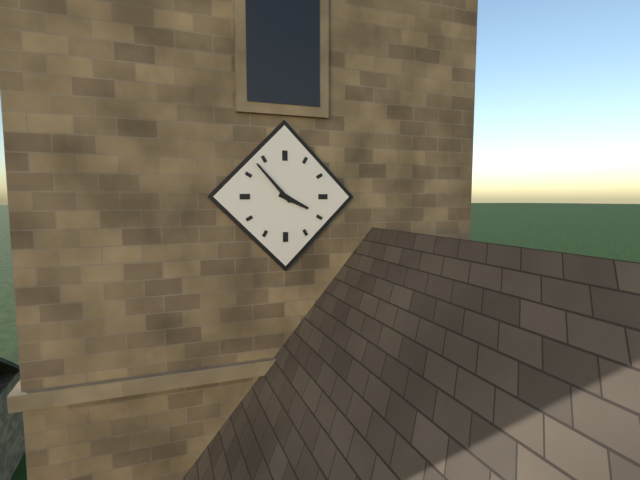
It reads {"hour": 3, "minute": 53}
